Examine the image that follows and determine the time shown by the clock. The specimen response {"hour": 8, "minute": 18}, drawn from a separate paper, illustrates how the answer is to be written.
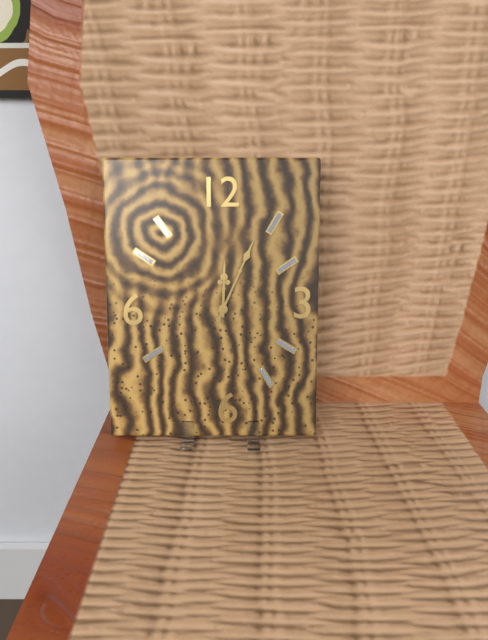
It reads {"hour": 12, "minute": 4}
